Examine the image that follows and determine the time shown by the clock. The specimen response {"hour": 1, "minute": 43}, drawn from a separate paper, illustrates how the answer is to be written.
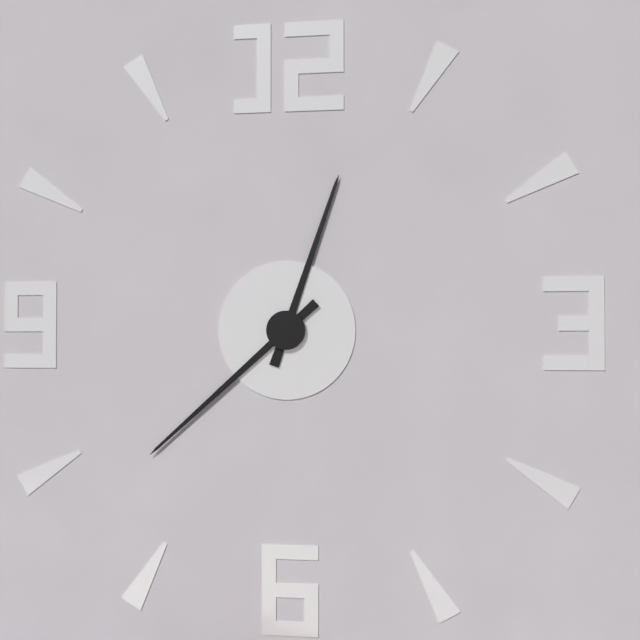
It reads {"hour": 12, "minute": 38}
